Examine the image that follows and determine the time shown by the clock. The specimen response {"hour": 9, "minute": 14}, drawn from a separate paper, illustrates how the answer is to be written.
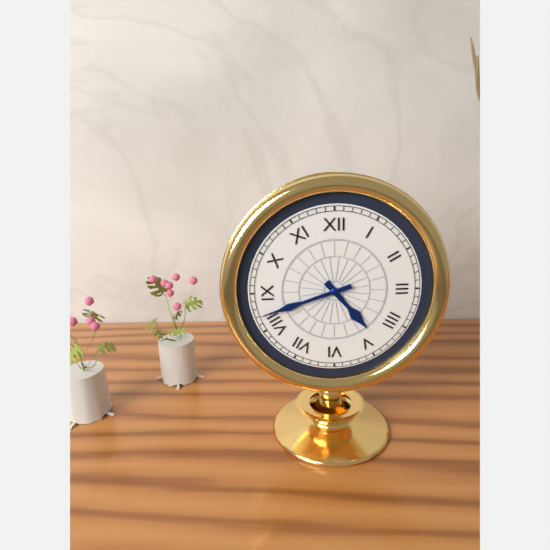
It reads {"hour": 4, "minute": 42}
